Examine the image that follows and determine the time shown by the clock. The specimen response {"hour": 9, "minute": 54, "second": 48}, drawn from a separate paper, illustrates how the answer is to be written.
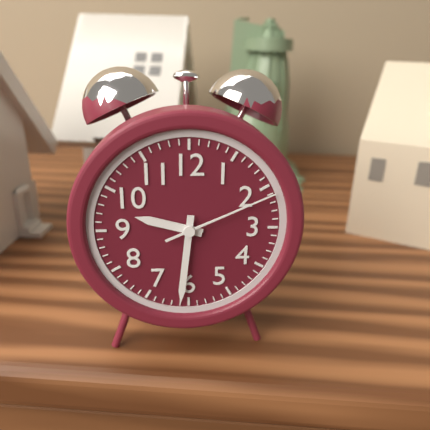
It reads {"hour": 9, "minute": 31, "second": 11}
